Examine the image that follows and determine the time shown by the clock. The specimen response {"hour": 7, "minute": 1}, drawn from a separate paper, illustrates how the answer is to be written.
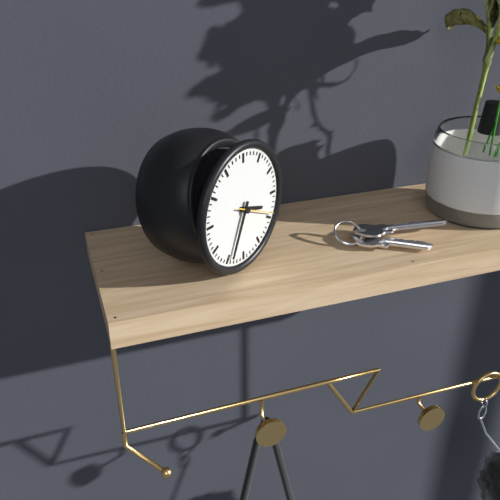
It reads {"hour": 3, "minute": 34}
